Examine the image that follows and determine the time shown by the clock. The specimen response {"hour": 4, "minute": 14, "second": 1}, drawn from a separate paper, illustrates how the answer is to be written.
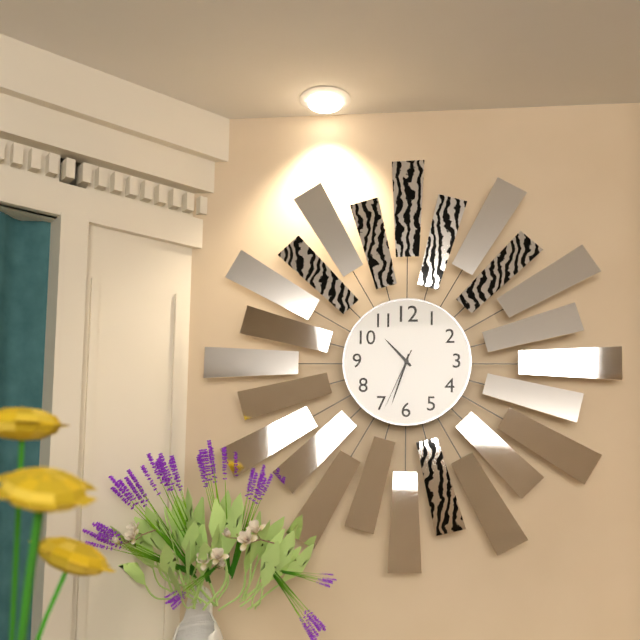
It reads {"hour": 10, "minute": 33, "second": 34}
